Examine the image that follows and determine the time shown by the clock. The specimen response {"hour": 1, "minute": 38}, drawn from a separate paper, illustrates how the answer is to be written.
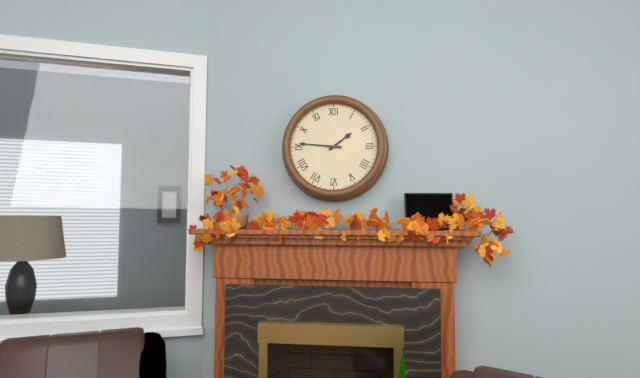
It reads {"hour": 1, "minute": 46}
